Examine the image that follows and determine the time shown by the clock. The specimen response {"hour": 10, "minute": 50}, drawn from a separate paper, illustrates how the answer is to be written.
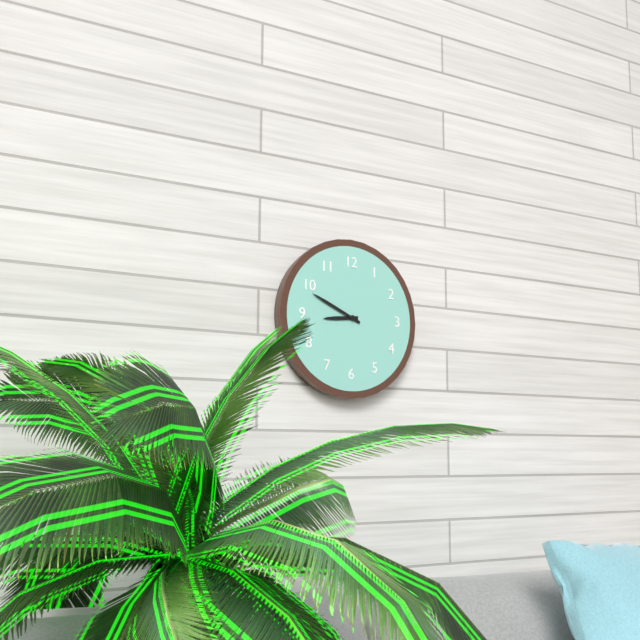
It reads {"hour": 8, "minute": 49}
